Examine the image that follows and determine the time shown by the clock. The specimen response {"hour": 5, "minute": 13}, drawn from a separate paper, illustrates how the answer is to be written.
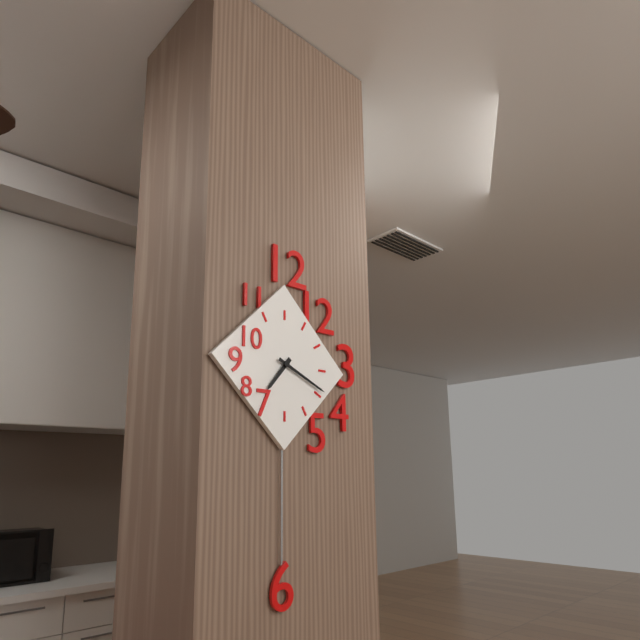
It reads {"hour": 7, "minute": 19}
